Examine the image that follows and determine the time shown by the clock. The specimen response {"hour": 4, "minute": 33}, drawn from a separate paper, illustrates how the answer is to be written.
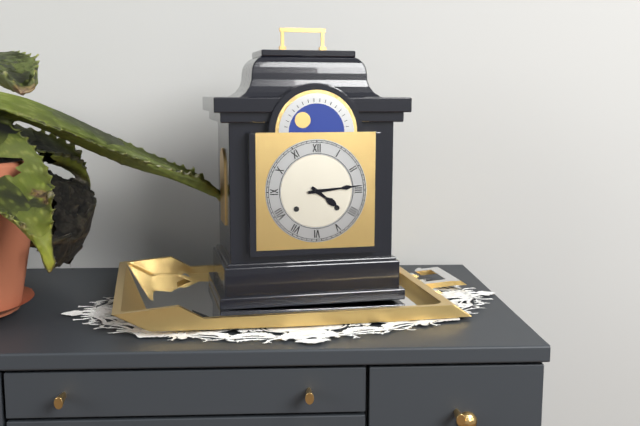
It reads {"hour": 4, "minute": 14}
